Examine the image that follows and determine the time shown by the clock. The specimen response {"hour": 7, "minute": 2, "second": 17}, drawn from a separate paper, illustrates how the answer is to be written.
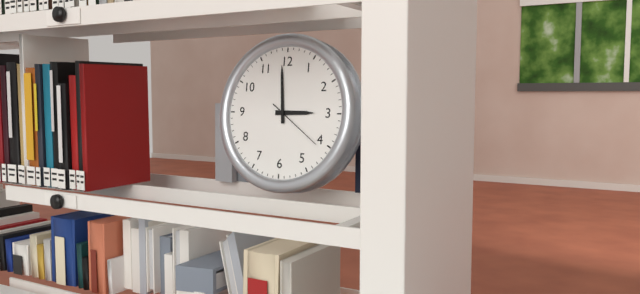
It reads {"hour": 2, "minute": 59, "second": 21}
